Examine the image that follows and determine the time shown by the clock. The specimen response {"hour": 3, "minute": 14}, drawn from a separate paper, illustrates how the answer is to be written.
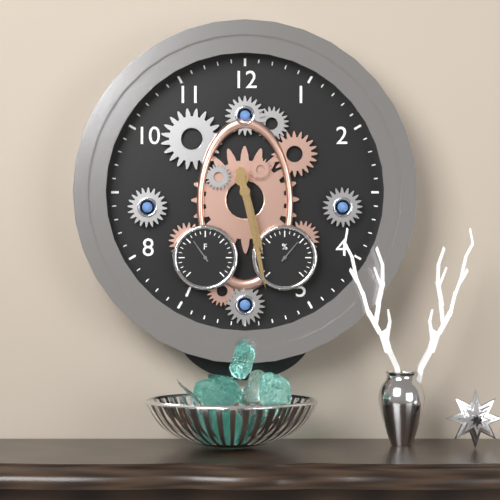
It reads {"hour": 5, "minute": 28}
